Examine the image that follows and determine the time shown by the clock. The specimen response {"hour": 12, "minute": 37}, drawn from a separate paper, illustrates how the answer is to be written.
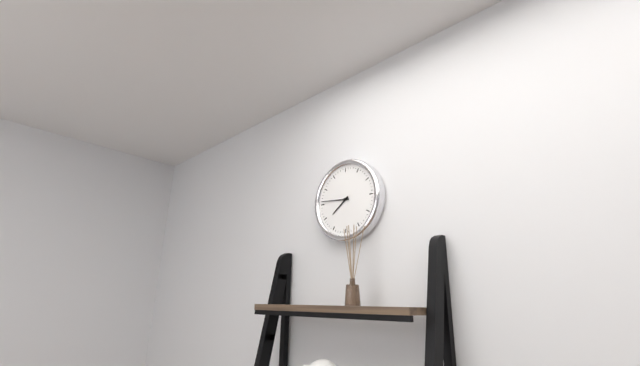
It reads {"hour": 7, "minute": 46}
